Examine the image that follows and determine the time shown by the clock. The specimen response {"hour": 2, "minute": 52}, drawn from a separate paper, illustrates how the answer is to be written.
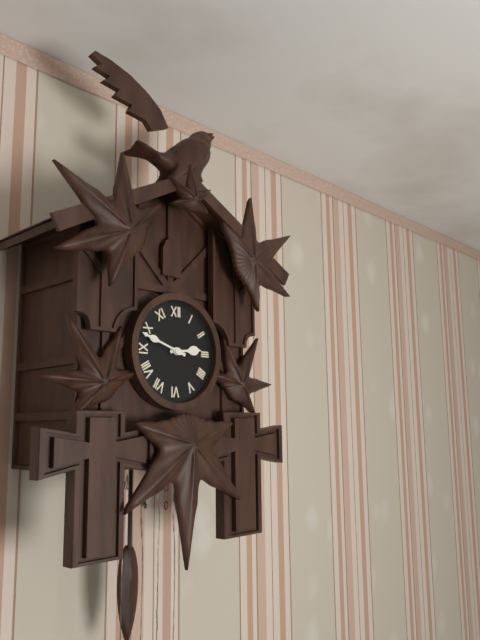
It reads {"hour": 2, "minute": 48}
